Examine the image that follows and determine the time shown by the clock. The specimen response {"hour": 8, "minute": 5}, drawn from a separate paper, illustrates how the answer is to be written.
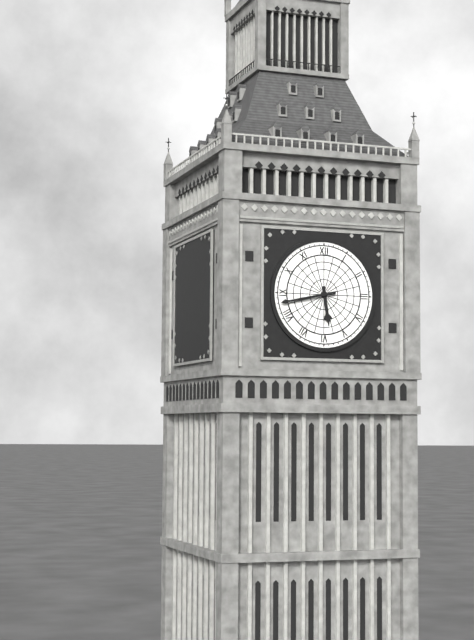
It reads {"hour": 5, "minute": 43}
